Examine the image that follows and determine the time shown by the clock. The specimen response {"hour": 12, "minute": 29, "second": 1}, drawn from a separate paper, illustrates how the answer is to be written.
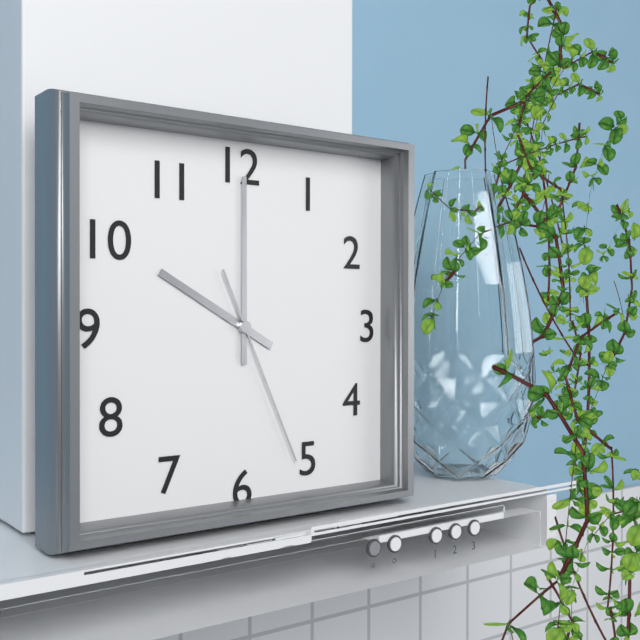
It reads {"hour": 10, "minute": 0, "second": 26}
